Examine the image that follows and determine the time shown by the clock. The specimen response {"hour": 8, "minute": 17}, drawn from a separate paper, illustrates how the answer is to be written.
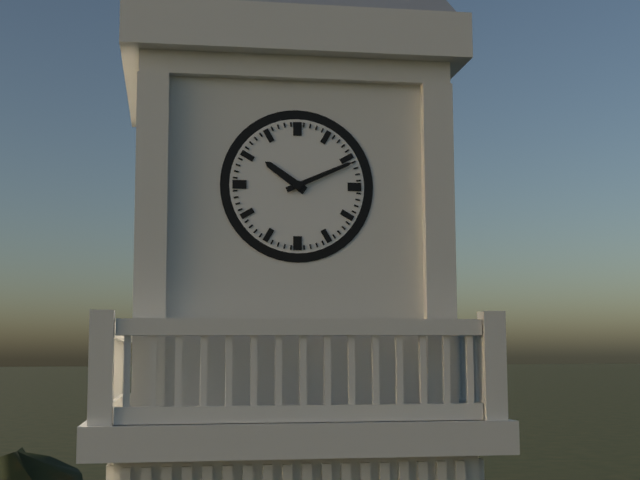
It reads {"hour": 10, "minute": 11}
